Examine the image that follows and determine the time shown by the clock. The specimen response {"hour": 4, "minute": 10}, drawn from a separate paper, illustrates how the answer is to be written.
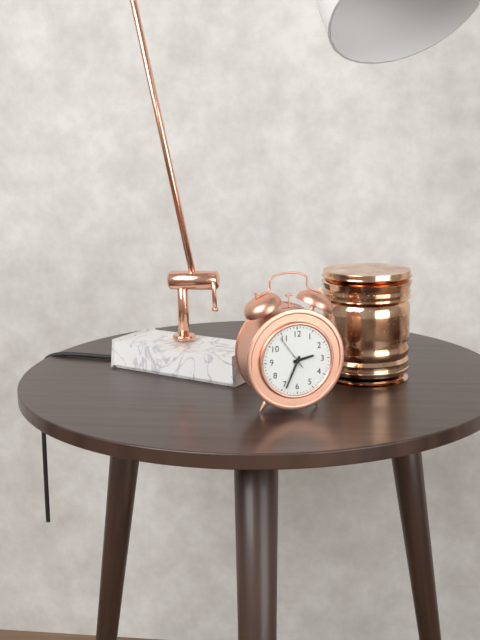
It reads {"hour": 2, "minute": 34}
